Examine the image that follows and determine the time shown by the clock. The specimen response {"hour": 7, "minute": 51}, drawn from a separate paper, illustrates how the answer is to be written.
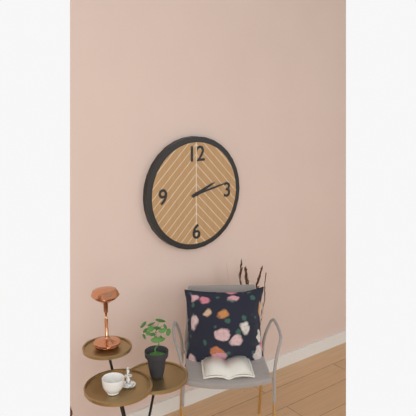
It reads {"hour": 2, "minute": 13}
